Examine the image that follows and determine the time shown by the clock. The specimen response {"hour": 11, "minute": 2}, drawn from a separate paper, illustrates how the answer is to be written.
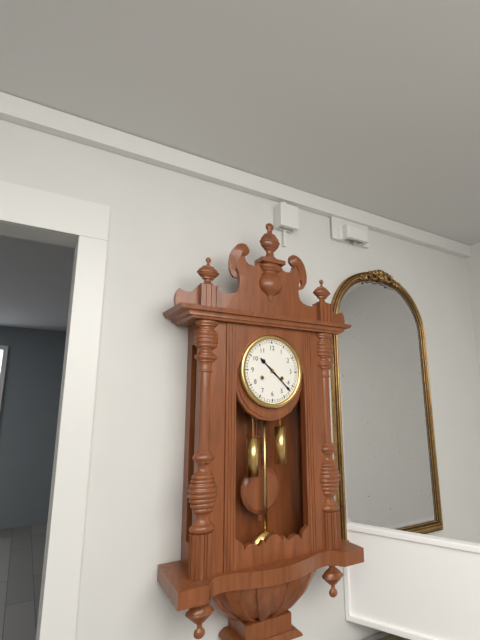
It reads {"hour": 10, "minute": 22}
